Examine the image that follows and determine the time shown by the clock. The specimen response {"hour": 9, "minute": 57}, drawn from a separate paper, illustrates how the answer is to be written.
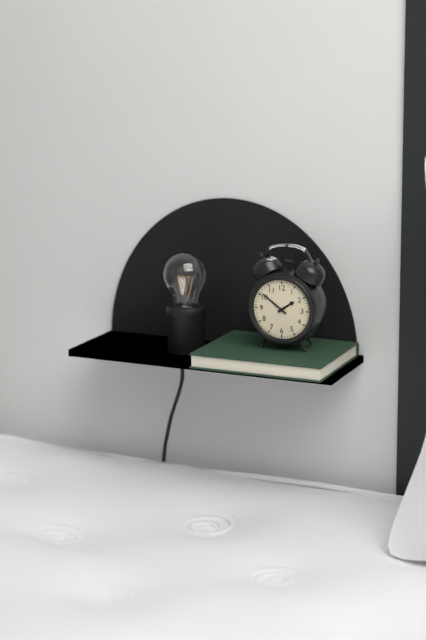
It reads {"hour": 1, "minute": 51}
